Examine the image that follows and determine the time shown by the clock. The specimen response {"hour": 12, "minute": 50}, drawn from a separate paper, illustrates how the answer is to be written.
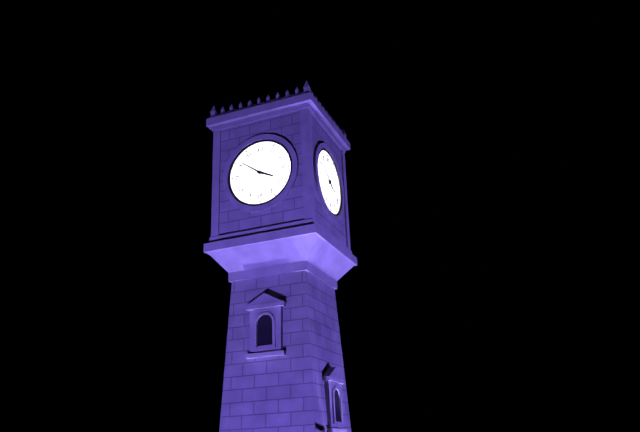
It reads {"hour": 3, "minute": 51}
